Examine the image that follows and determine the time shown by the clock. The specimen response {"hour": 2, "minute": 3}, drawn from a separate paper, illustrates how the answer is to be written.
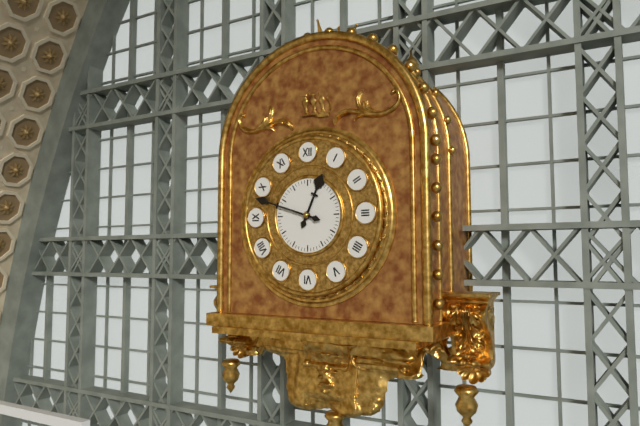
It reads {"hour": 12, "minute": 48}
